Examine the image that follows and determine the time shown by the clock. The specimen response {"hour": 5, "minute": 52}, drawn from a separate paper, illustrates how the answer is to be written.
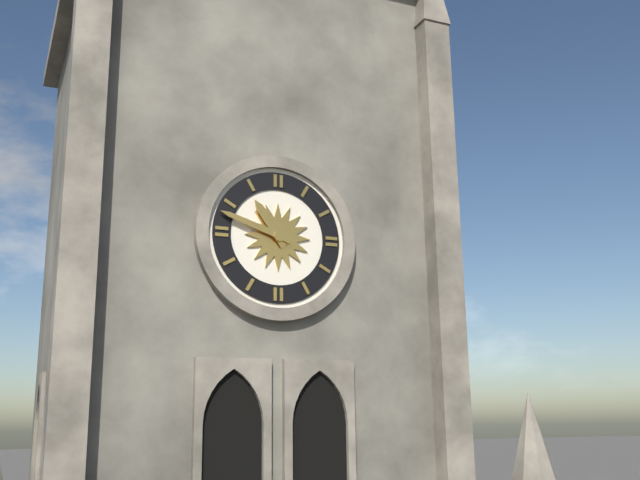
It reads {"hour": 10, "minute": 48}
